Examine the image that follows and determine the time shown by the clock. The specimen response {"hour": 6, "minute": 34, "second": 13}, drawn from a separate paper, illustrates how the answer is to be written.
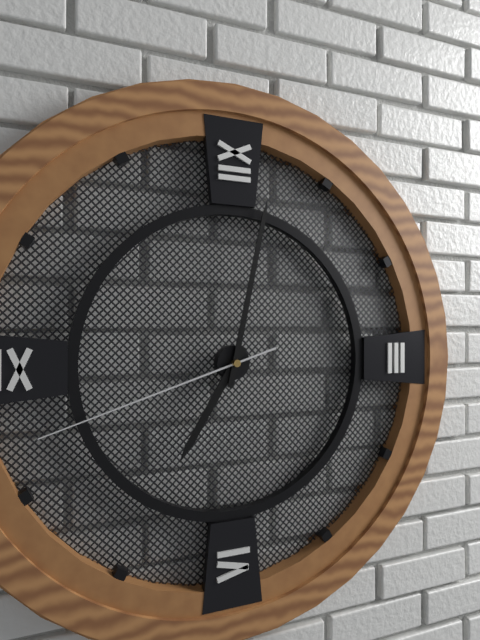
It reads {"hour": 7, "minute": 2, "second": 42}
